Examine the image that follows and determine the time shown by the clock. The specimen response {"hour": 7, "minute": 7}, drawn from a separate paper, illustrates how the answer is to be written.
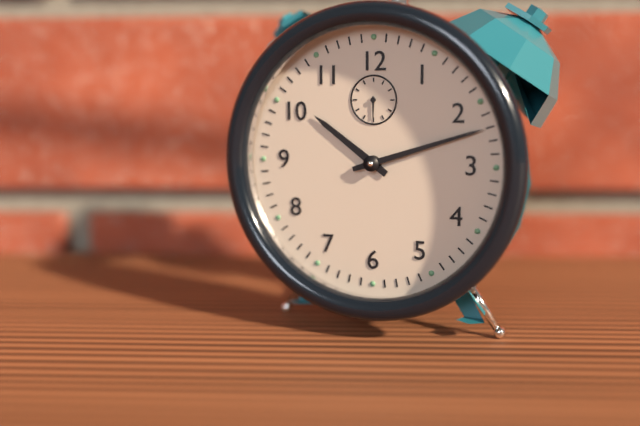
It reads {"hour": 10, "minute": 12}
